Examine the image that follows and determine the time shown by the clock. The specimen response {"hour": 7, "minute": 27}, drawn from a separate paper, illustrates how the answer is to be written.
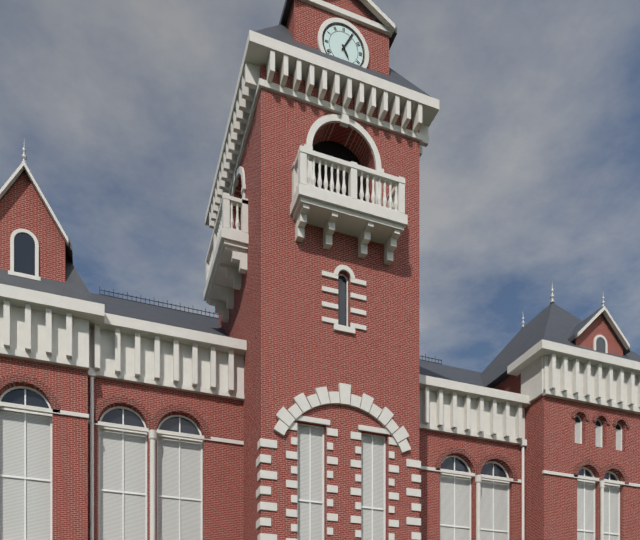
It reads {"hour": 5, "minute": 5}
